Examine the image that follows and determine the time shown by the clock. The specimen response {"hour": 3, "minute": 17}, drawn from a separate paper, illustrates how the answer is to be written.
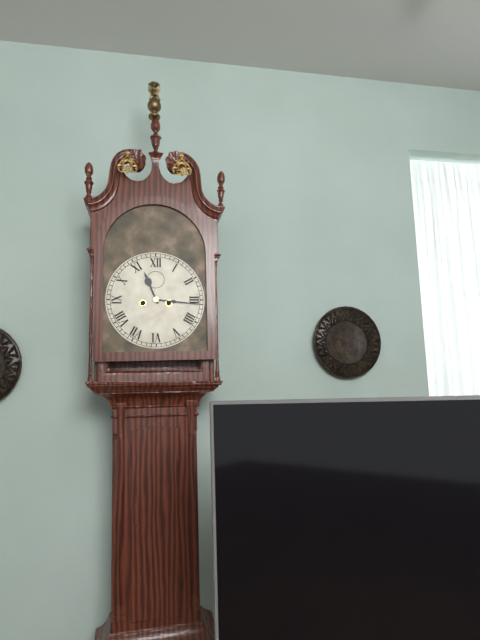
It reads {"hour": 11, "minute": 16}
